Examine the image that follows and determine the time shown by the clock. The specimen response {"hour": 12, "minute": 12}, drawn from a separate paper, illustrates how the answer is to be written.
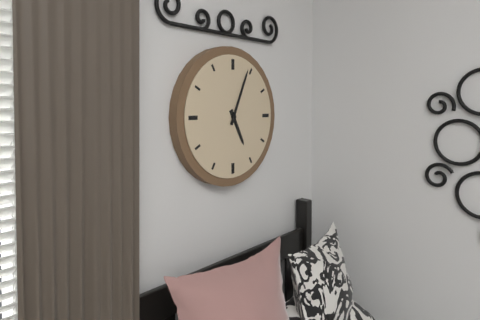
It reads {"hour": 5, "minute": 4}
